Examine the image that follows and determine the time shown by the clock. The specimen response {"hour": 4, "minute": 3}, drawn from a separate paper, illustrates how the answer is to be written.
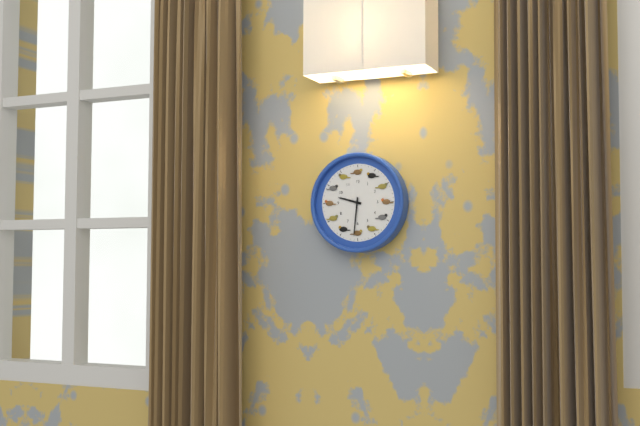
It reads {"hour": 9, "minute": 31}
